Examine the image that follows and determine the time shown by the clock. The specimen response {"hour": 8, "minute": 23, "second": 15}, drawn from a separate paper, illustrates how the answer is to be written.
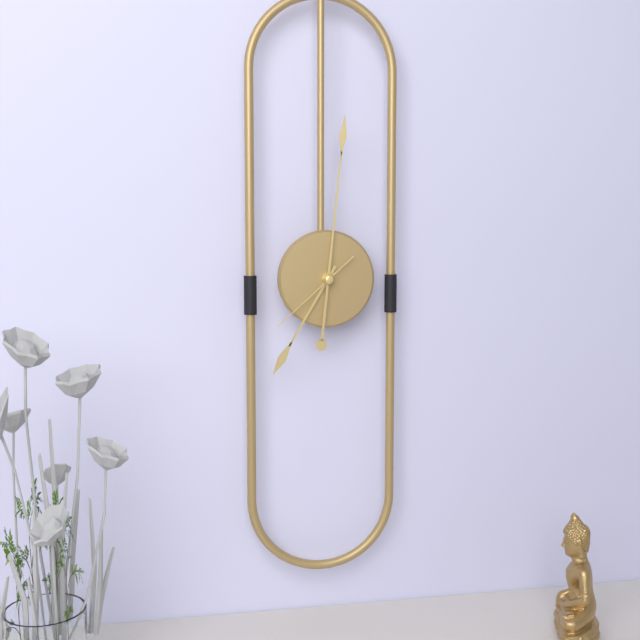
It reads {"hour": 7, "minute": 1, "second": 38}
